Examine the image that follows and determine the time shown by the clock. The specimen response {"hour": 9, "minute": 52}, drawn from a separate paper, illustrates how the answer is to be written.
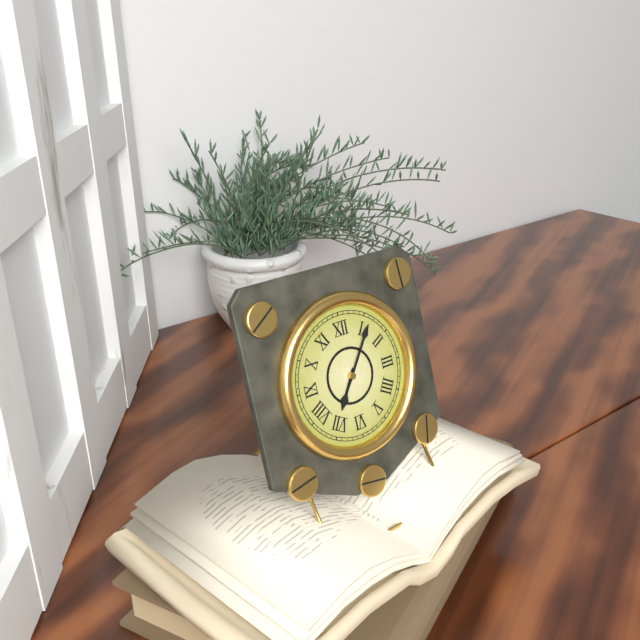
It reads {"hour": 7, "minute": 6}
